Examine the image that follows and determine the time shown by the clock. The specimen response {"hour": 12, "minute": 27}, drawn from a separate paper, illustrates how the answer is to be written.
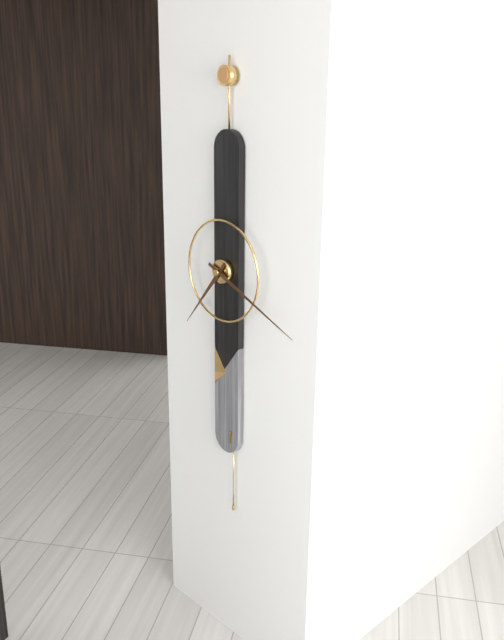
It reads {"hour": 7, "minute": 19}
